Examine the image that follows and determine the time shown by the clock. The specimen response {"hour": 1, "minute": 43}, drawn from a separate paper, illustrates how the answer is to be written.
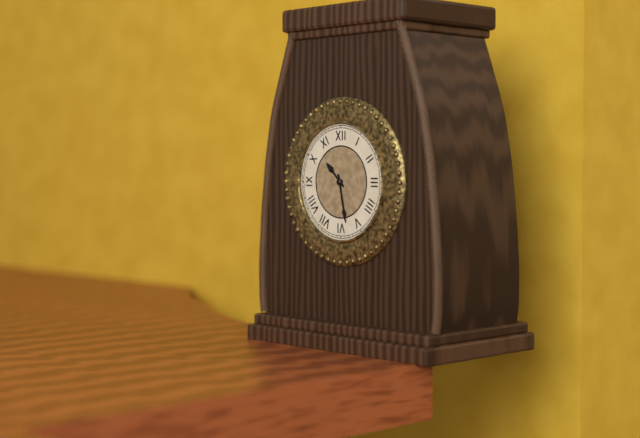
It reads {"hour": 10, "minute": 28}
